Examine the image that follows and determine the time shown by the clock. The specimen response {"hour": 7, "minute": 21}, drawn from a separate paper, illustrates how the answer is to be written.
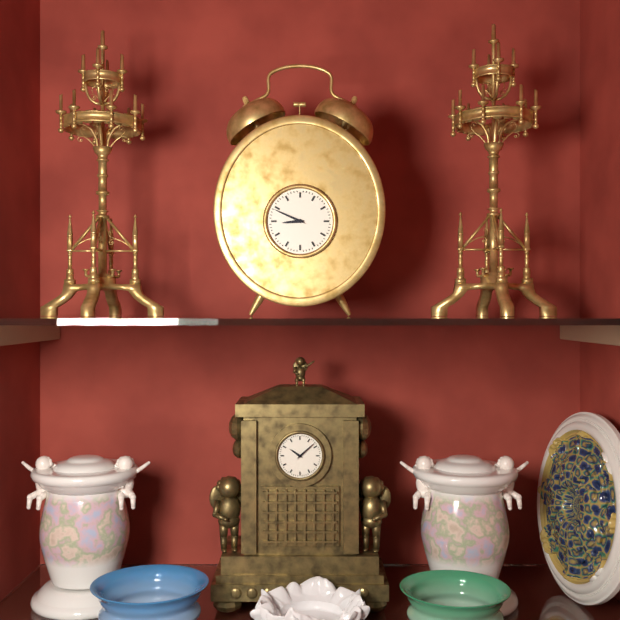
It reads {"hour": 8, "minute": 49}
